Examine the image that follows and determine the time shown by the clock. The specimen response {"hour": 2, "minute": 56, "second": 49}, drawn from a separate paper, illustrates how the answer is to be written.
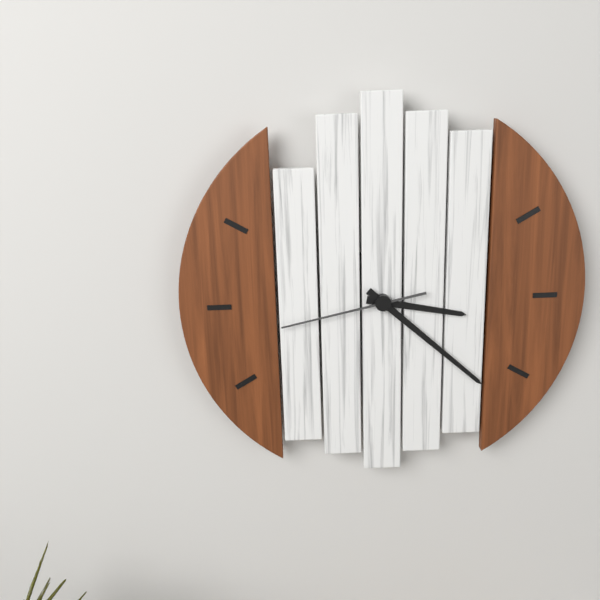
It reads {"hour": 3, "minute": 22, "second": 43}
